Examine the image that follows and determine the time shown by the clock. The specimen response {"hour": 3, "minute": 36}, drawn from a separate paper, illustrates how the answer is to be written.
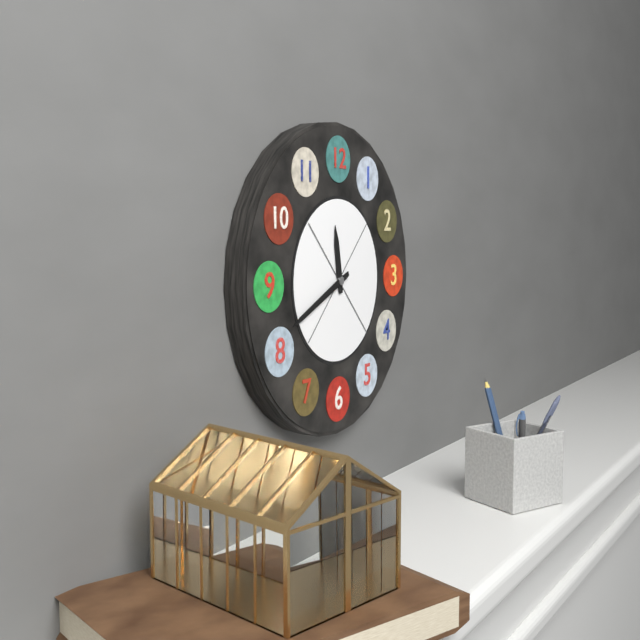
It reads {"hour": 11, "minute": 41}
